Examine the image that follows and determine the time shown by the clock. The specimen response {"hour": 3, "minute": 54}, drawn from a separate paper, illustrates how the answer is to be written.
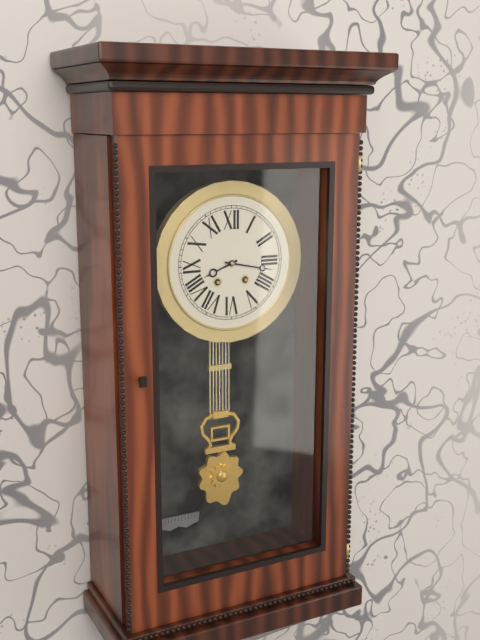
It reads {"hour": 8, "minute": 17}
